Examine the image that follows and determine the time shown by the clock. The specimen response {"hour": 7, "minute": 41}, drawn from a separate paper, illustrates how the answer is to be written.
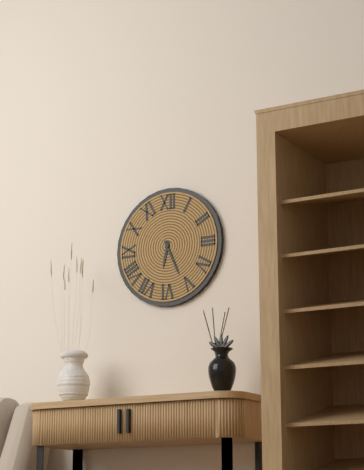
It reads {"hour": 6, "minute": 26}
